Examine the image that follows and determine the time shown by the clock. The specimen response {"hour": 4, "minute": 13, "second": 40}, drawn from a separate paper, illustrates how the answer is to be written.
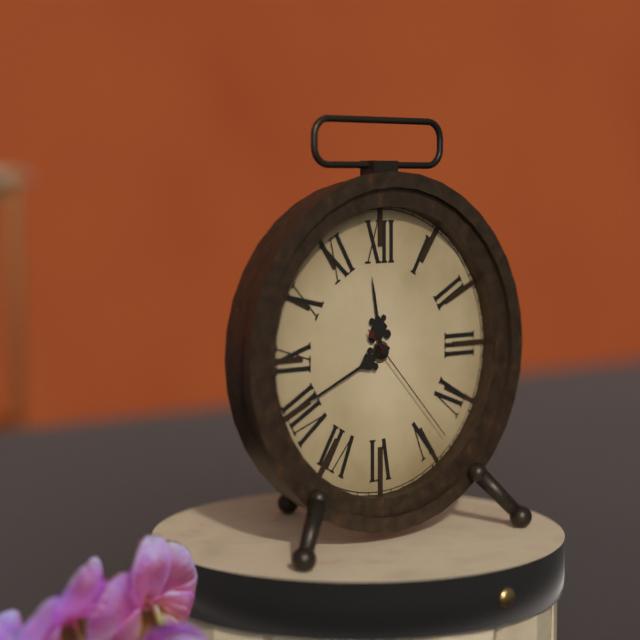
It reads {"hour": 11, "minute": 41, "second": 23}
